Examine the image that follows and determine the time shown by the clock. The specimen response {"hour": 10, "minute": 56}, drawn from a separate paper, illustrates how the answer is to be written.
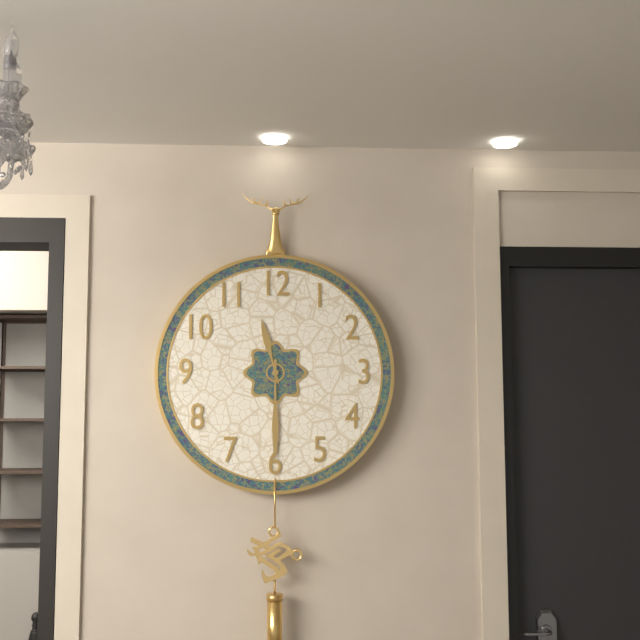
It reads {"hour": 11, "minute": 30}
